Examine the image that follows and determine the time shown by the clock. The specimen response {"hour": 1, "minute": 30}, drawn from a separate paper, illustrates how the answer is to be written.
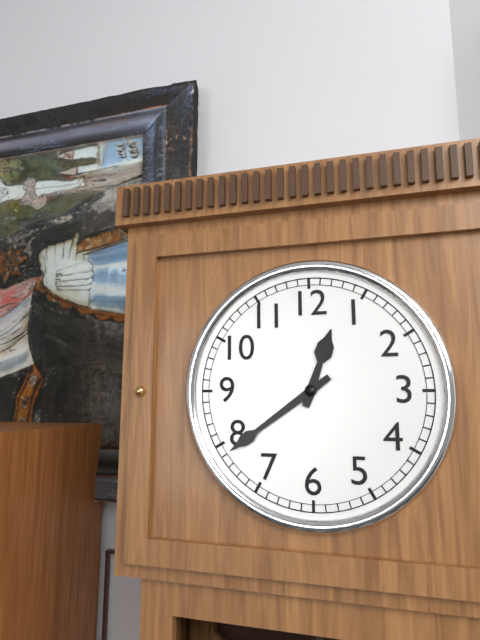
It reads {"hour": 12, "minute": 39}
